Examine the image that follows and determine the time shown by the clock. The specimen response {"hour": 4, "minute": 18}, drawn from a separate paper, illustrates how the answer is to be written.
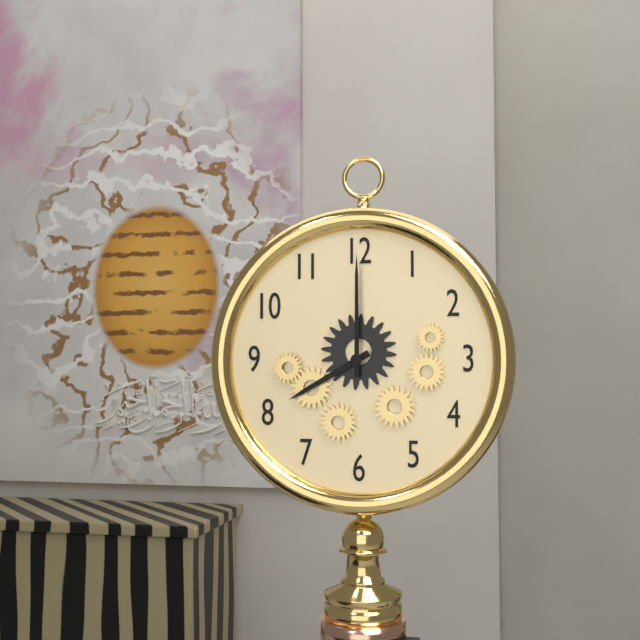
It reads {"hour": 8, "minute": 0}
